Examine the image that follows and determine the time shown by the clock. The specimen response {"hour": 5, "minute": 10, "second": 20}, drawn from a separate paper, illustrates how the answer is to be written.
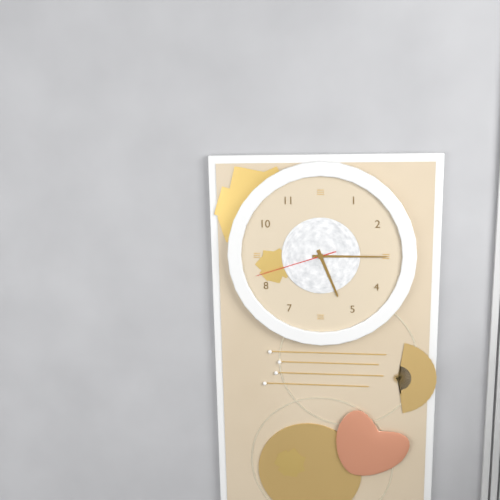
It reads {"hour": 5, "minute": 15, "second": 42}
